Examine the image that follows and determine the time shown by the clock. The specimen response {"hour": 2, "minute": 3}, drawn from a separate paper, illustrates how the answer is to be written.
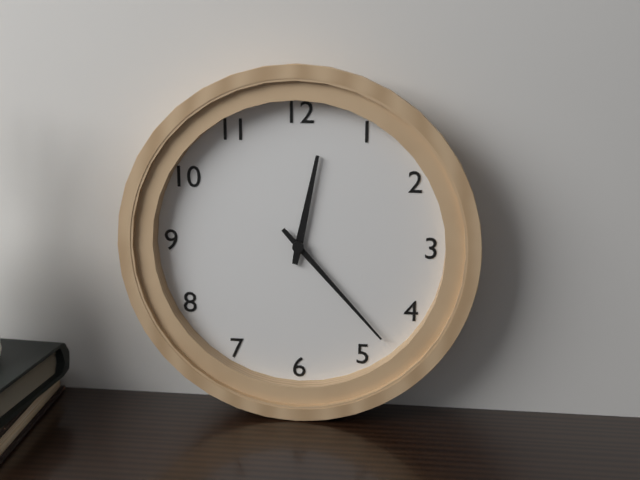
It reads {"hour": 12, "minute": 23}
